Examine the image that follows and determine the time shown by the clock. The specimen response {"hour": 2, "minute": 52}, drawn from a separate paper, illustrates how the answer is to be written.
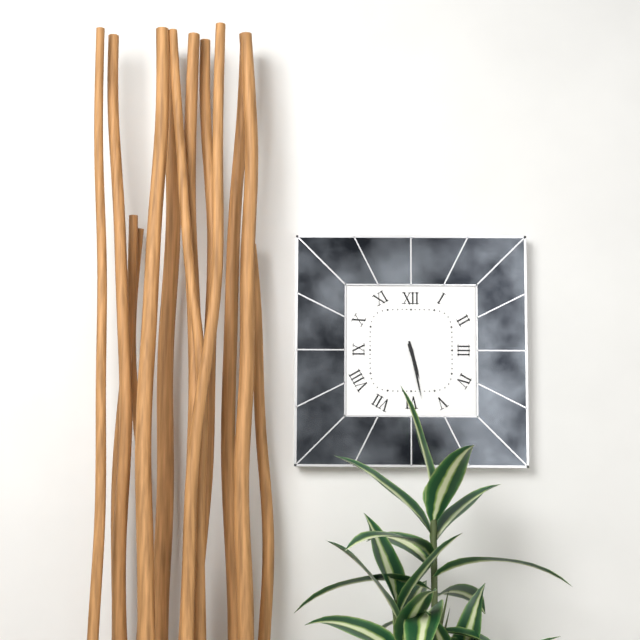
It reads {"hour": 5, "minute": 28}
